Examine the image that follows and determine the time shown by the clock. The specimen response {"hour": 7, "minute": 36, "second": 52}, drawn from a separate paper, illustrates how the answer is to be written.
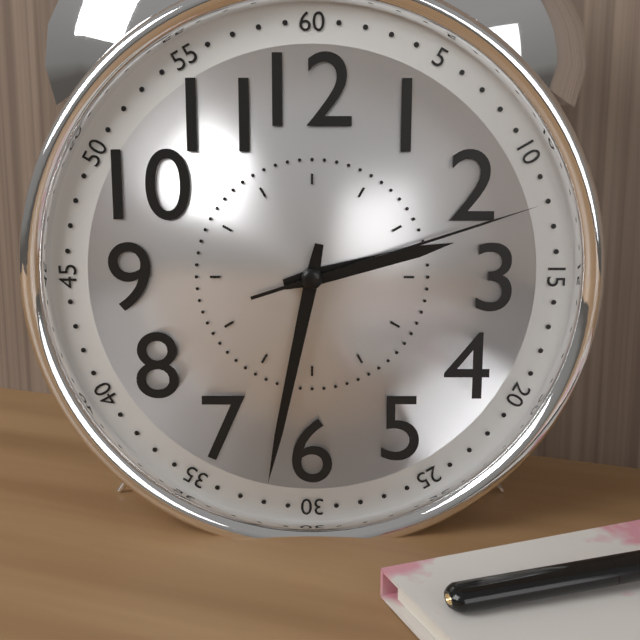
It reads {"hour": 2, "minute": 32, "second": 12}
